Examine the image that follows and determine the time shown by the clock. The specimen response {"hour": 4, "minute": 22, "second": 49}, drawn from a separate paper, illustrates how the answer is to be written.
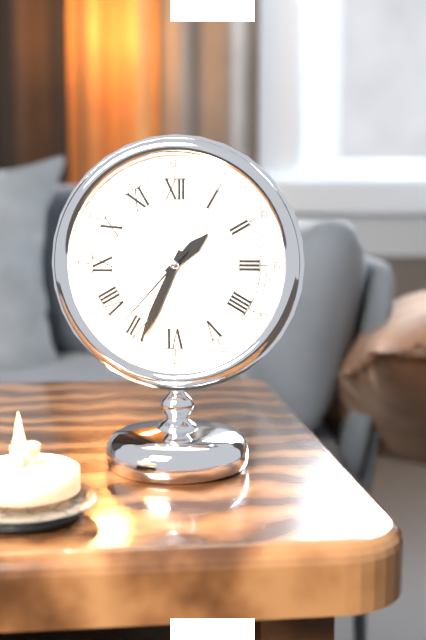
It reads {"hour": 1, "minute": 34, "second": 37}
